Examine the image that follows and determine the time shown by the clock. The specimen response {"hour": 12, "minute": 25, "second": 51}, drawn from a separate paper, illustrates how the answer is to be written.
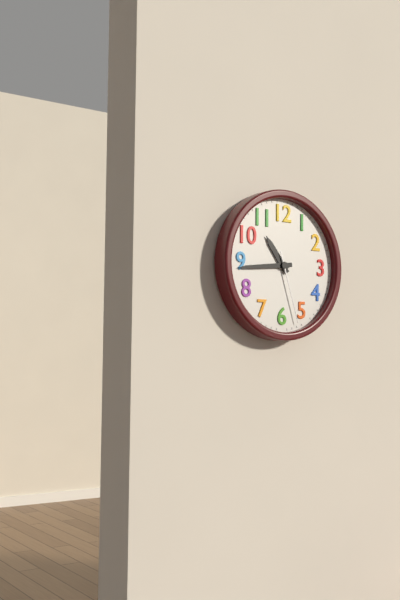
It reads {"hour": 10, "minute": 44, "second": 27}
